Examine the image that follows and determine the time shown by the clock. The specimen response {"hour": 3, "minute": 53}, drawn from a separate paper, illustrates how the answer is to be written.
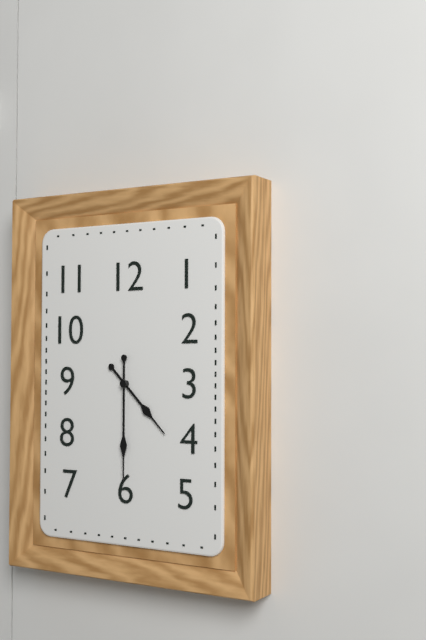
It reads {"hour": 4, "minute": 30}
